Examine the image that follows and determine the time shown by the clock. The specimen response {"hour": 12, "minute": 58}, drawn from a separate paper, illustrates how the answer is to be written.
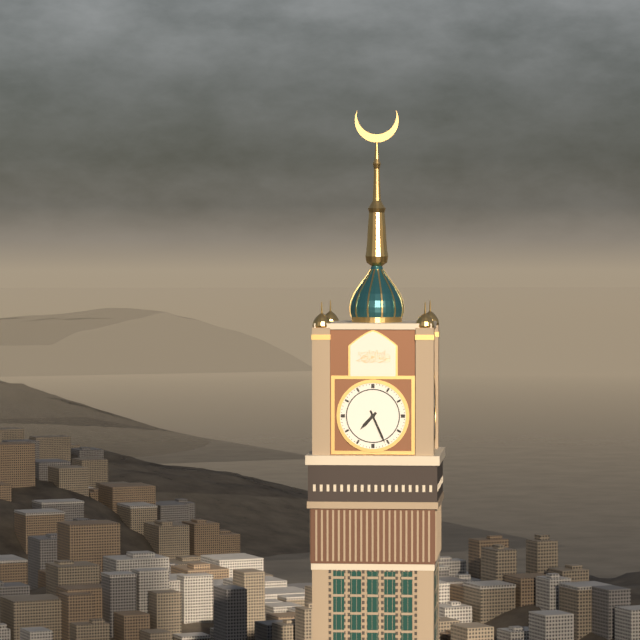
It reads {"hour": 7, "minute": 26}
